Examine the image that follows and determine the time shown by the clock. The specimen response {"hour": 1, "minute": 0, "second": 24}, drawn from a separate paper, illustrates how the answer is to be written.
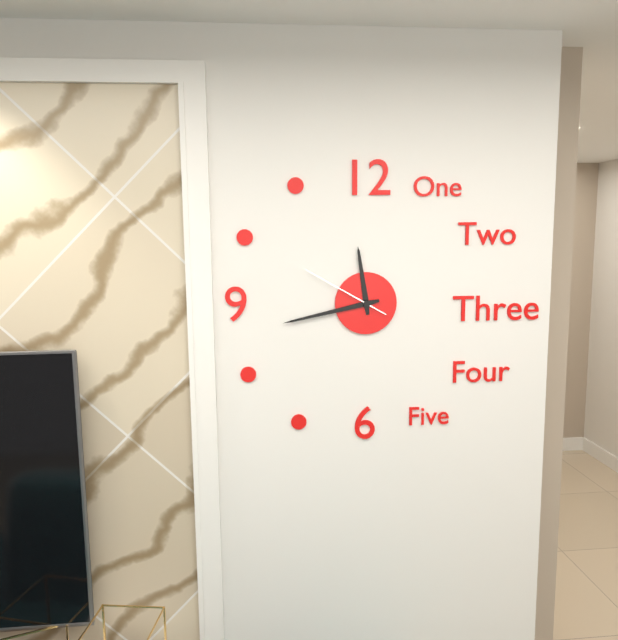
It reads {"hour": 11, "minute": 43, "second": 50}
